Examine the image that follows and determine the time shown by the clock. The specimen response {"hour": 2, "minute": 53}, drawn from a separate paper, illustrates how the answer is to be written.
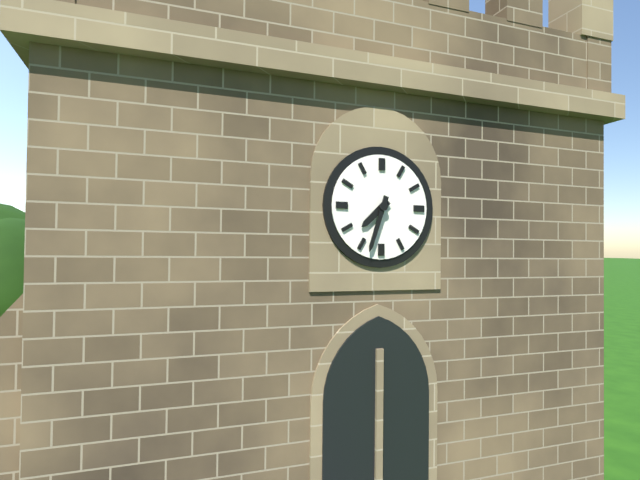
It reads {"hour": 7, "minute": 33}
